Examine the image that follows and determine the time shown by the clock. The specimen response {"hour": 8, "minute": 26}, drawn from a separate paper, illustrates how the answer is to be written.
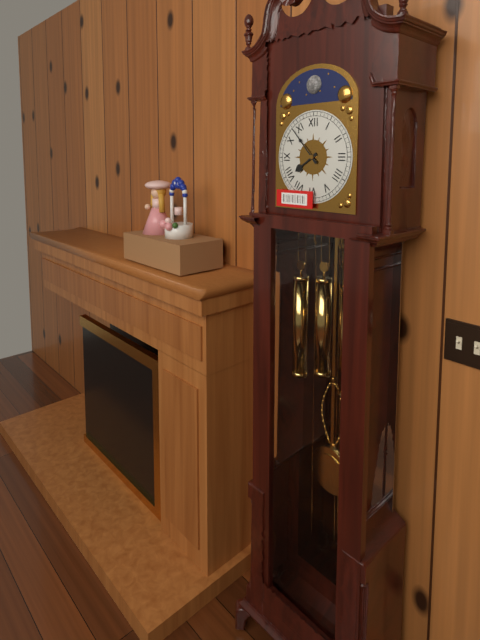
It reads {"hour": 7, "minute": 53}
